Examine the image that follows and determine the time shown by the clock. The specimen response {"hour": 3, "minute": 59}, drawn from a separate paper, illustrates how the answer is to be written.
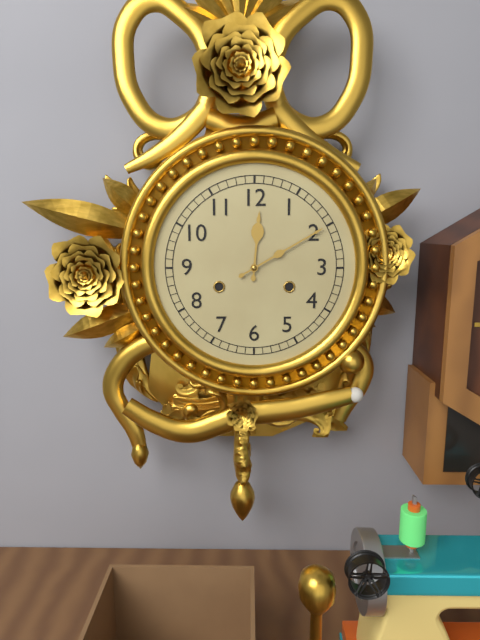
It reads {"hour": 12, "minute": 10}
